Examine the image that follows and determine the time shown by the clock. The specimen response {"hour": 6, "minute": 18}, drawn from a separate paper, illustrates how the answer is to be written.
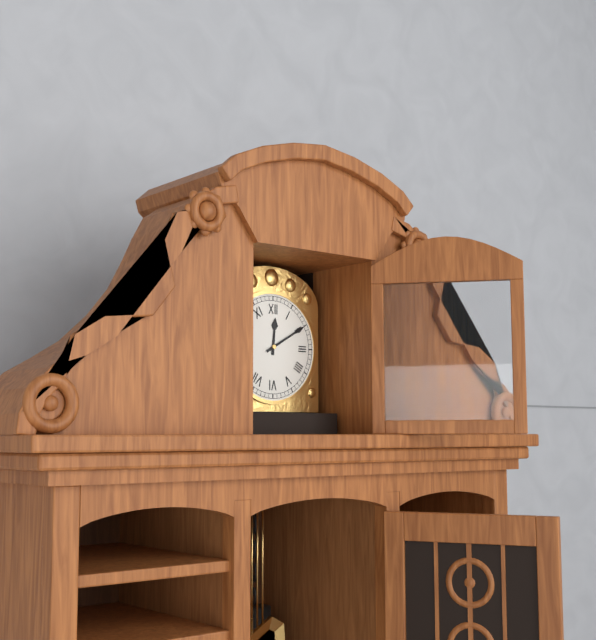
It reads {"hour": 12, "minute": 10}
